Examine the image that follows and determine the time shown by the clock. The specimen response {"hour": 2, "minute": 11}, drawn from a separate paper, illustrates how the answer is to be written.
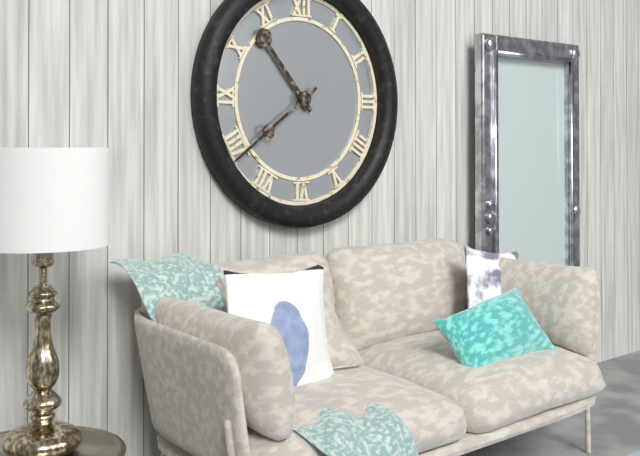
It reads {"hour": 10, "minute": 39}
